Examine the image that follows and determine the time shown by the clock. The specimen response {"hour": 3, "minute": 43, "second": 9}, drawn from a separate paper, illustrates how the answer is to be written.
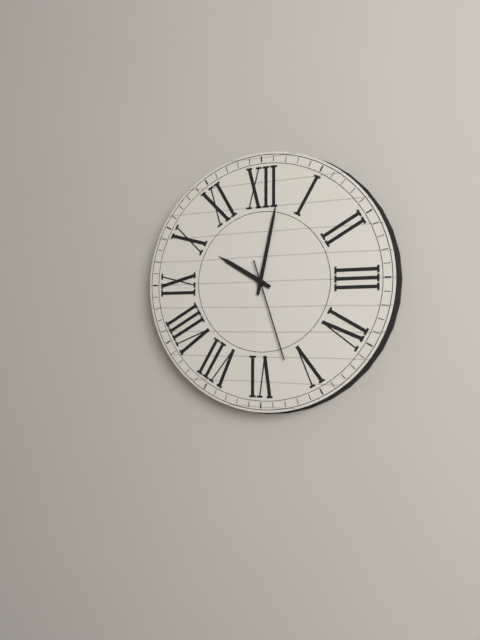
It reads {"hour": 10, "minute": 2, "second": 27}
